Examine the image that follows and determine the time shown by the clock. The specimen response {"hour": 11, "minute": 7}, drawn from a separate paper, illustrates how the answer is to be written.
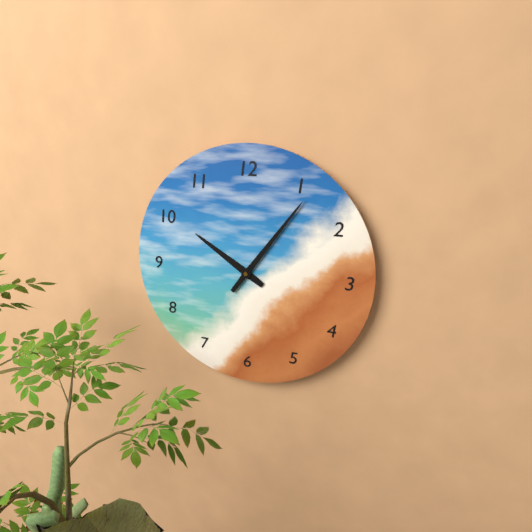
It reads {"hour": 10, "minute": 6}
